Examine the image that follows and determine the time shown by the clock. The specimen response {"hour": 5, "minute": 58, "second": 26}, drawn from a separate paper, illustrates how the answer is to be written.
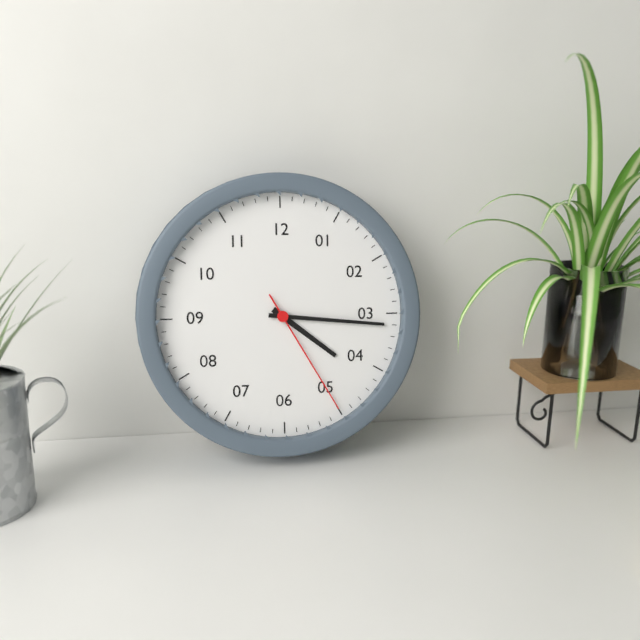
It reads {"hour": 4, "minute": 16, "second": 25}
